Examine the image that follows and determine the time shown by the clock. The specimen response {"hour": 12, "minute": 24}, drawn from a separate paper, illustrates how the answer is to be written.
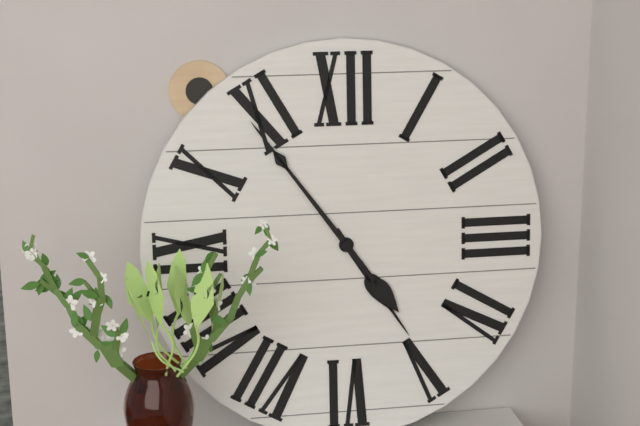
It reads {"hour": 4, "minute": 54}
